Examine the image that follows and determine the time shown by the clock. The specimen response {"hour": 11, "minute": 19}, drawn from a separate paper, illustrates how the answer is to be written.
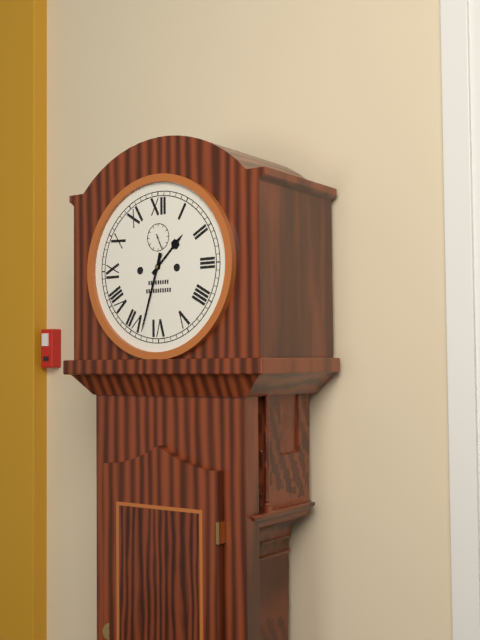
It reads {"hour": 1, "minute": 33}
